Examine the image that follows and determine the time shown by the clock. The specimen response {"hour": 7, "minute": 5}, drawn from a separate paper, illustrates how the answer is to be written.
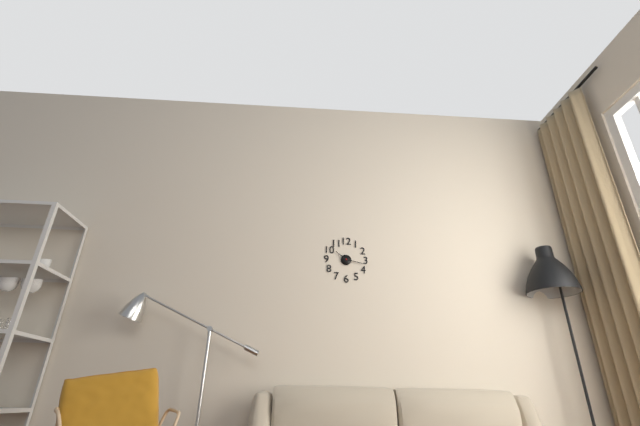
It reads {"hour": 10, "minute": 17}
